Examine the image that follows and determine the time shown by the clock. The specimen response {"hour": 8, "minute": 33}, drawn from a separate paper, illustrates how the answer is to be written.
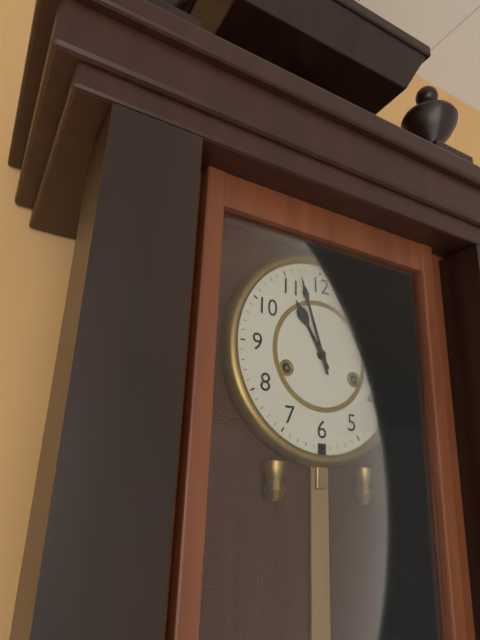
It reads {"hour": 10, "minute": 57}
